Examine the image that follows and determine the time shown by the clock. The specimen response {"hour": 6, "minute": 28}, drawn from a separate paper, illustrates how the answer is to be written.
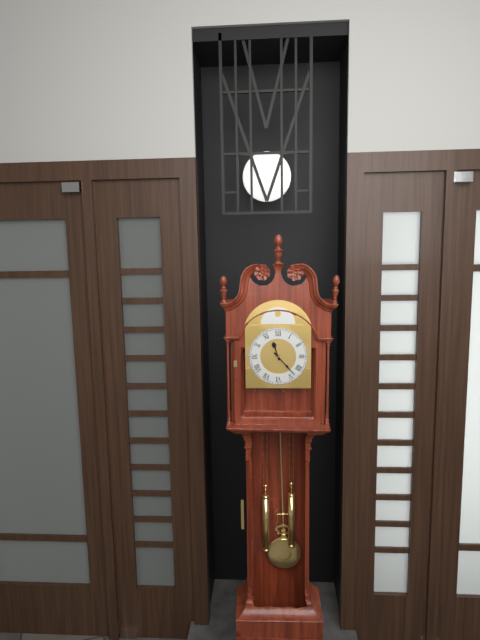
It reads {"hour": 11, "minute": 23}
